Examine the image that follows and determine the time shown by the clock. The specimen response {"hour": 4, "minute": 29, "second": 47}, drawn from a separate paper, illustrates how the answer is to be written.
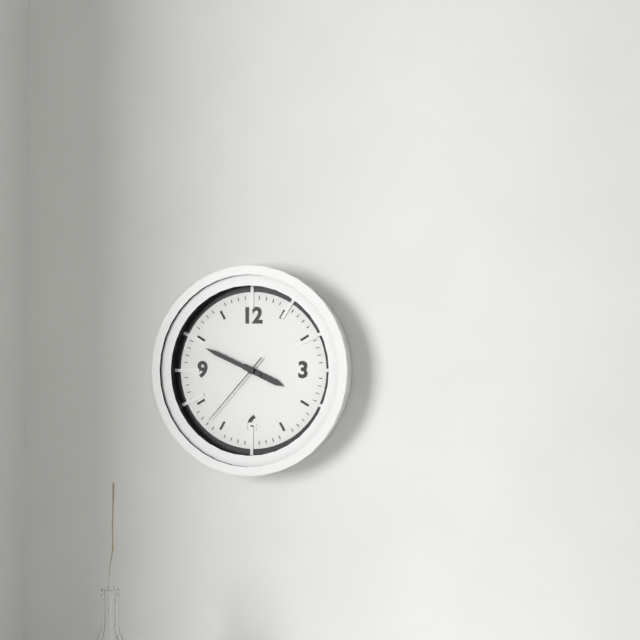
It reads {"hour": 3, "minute": 49, "second": 37}
